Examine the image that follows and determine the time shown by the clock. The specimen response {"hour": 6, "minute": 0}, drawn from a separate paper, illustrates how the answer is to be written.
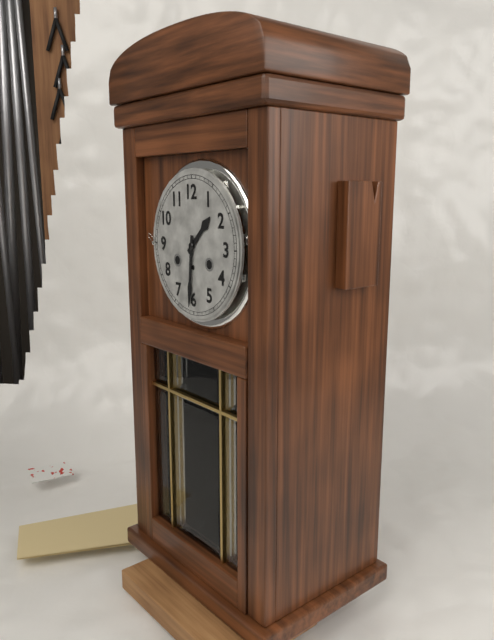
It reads {"hour": 1, "minute": 31}
